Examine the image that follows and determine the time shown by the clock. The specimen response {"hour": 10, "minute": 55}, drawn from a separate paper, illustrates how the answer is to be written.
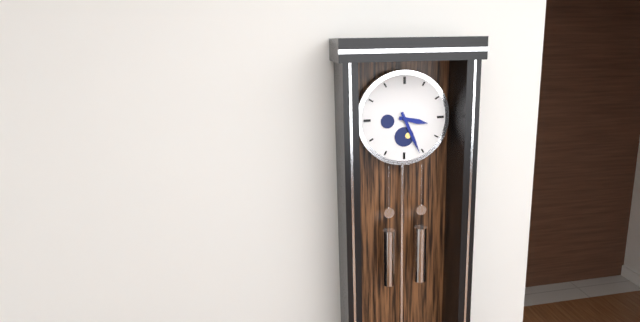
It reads {"hour": 3, "minute": 26}
